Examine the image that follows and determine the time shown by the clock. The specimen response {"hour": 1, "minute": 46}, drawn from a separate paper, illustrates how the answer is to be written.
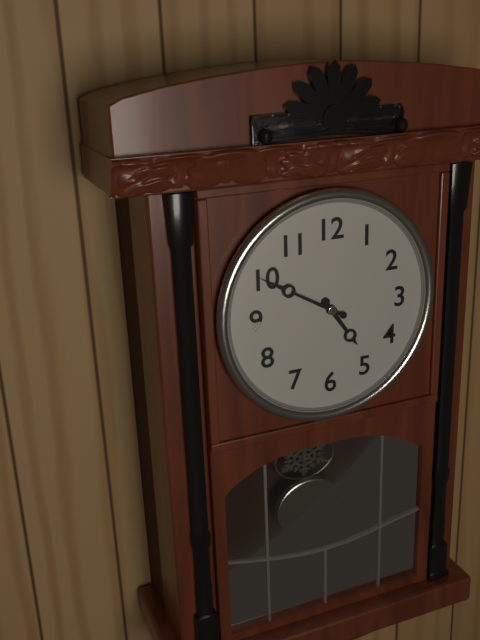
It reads {"hour": 4, "minute": 50}
